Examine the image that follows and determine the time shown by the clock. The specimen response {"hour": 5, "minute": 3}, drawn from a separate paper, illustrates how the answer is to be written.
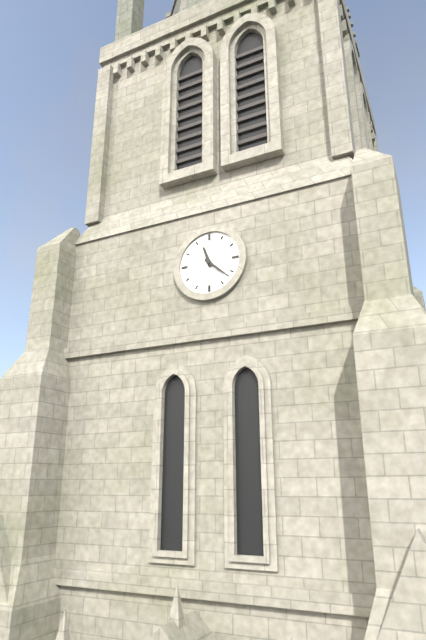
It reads {"hour": 11, "minute": 22}
